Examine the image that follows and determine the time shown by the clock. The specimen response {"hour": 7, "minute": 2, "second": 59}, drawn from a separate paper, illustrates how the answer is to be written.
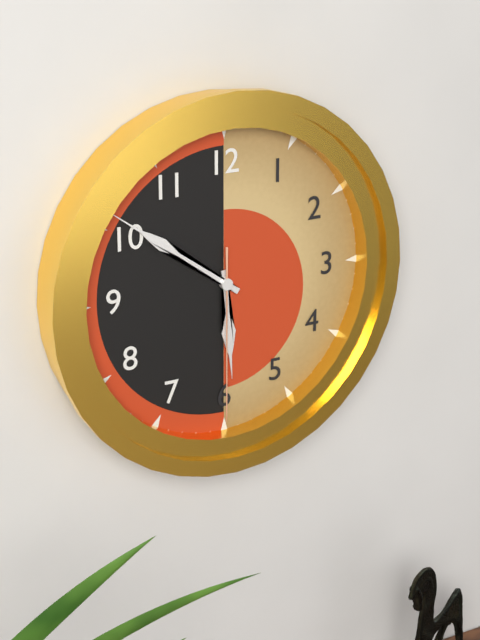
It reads {"hour": 5, "minute": 51, "second": 30}
